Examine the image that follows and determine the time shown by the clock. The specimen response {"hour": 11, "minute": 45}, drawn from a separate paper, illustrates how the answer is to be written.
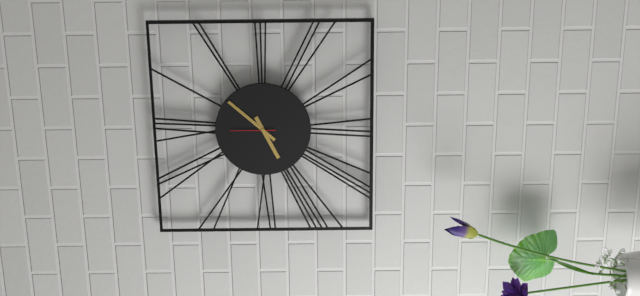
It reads {"hour": 8, "minute": 7}
